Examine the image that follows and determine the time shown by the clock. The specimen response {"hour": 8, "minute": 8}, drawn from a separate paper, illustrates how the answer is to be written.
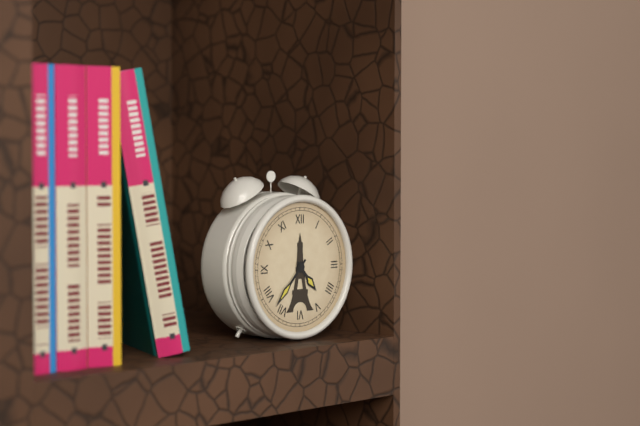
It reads {"hour": 4, "minute": 37}
